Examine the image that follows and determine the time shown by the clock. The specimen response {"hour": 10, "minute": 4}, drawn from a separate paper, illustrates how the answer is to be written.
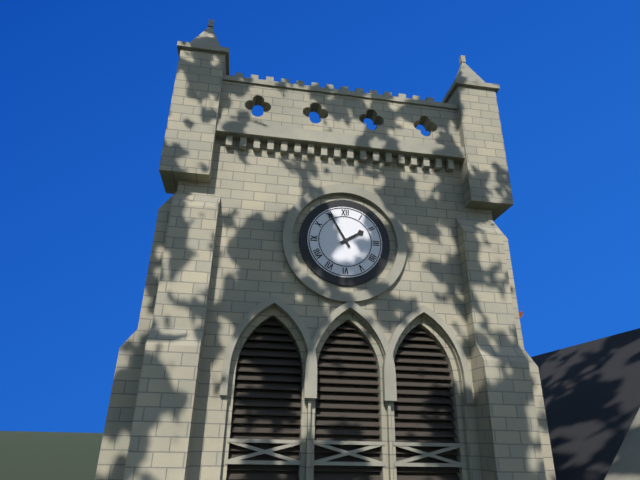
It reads {"hour": 1, "minute": 55}
